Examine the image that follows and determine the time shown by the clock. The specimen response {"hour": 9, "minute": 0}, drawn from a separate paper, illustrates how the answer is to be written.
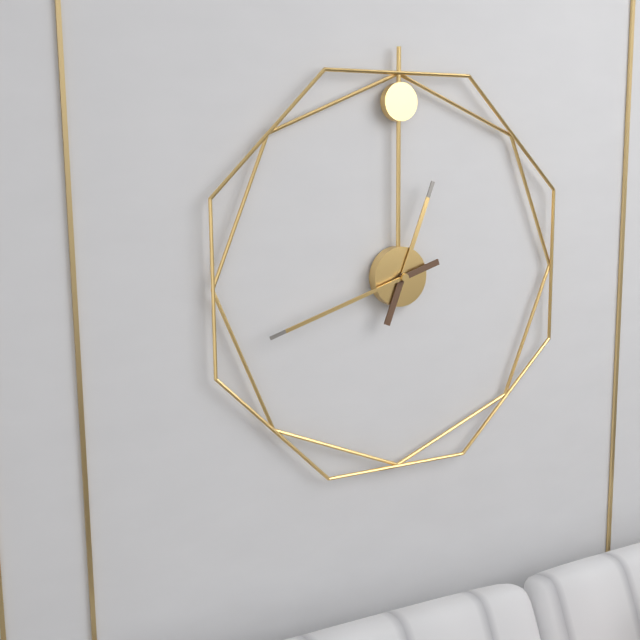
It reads {"hour": 12, "minute": 42}
